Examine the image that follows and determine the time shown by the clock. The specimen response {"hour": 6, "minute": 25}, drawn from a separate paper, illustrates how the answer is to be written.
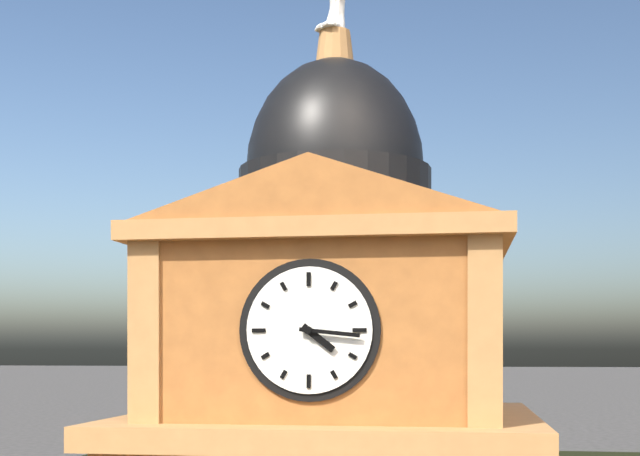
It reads {"hour": 4, "minute": 16}
